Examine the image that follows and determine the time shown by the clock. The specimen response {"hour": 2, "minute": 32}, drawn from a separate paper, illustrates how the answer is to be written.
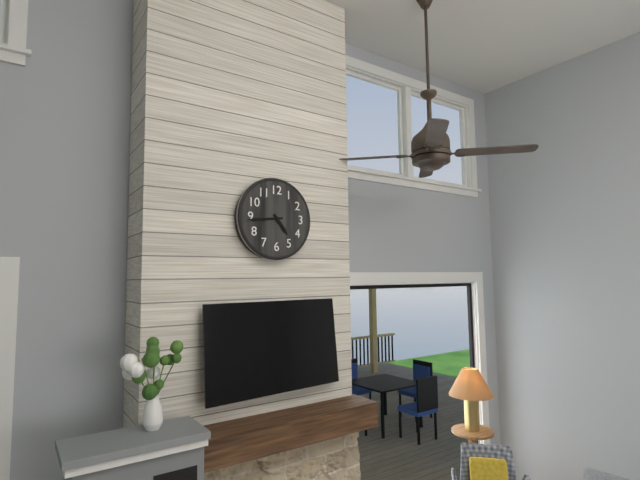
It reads {"hour": 4, "minute": 44}
